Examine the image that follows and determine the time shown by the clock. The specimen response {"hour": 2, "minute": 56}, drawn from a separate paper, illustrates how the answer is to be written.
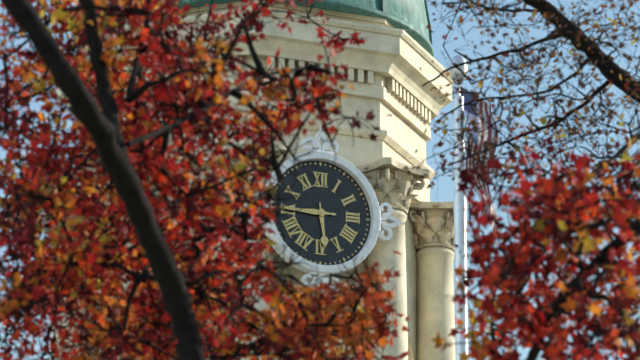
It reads {"hour": 5, "minute": 45}
